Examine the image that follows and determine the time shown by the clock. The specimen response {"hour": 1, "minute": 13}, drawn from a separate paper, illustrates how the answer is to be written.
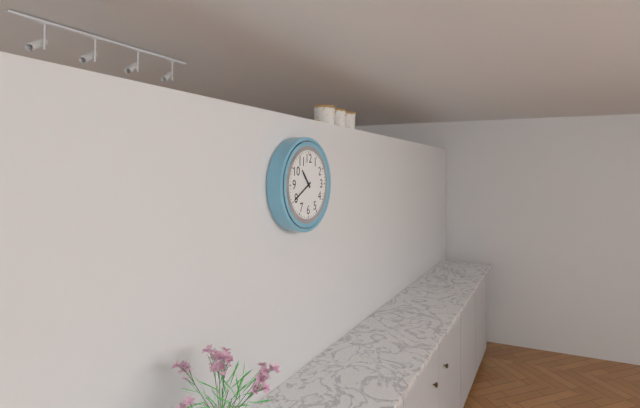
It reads {"hour": 10, "minute": 40}
